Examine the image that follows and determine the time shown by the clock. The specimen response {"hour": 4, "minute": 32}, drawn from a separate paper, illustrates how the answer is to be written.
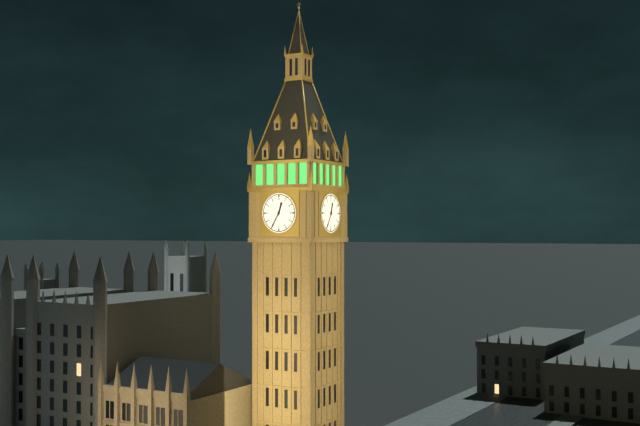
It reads {"hour": 12, "minute": 35}
